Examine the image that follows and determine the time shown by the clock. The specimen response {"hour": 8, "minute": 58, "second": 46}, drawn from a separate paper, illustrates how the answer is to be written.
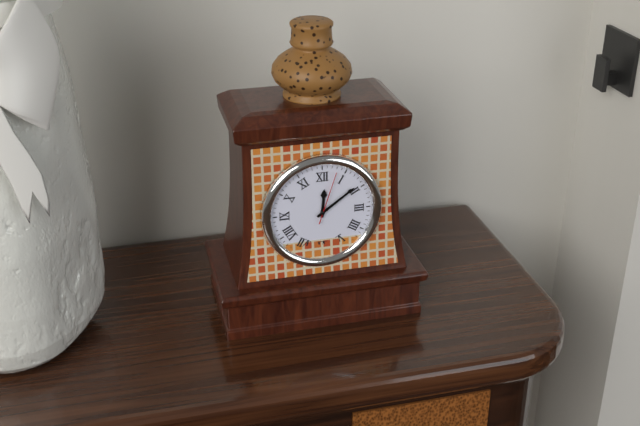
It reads {"hour": 12, "minute": 9, "second": 3}
